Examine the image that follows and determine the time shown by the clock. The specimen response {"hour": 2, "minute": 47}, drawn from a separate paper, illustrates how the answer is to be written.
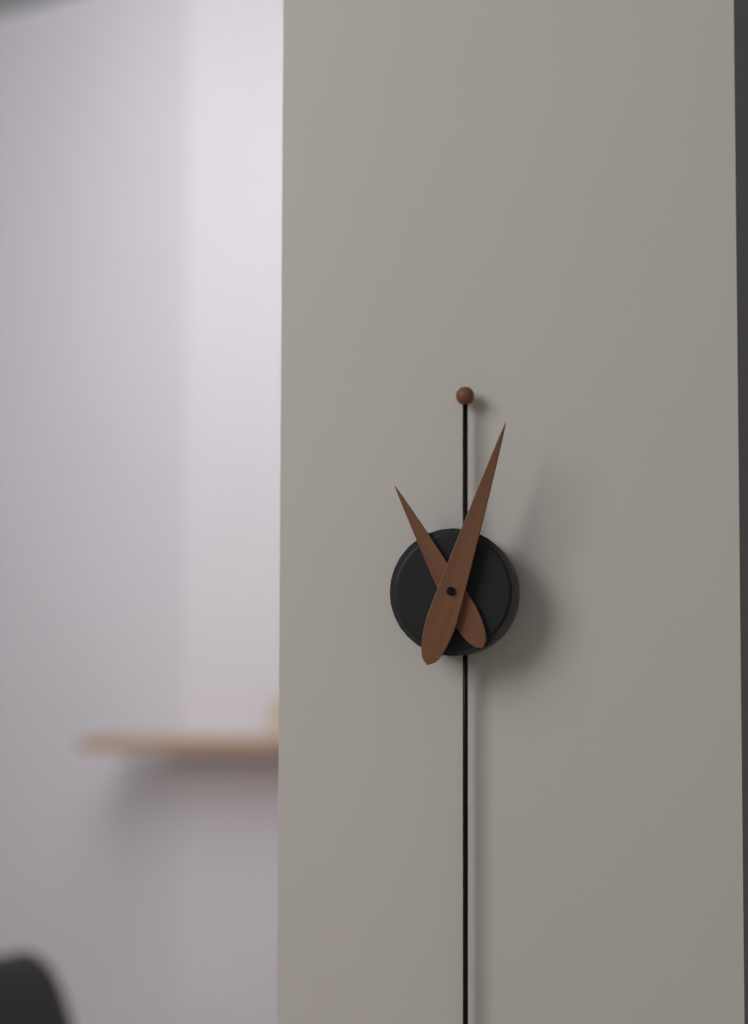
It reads {"hour": 11, "minute": 3}
